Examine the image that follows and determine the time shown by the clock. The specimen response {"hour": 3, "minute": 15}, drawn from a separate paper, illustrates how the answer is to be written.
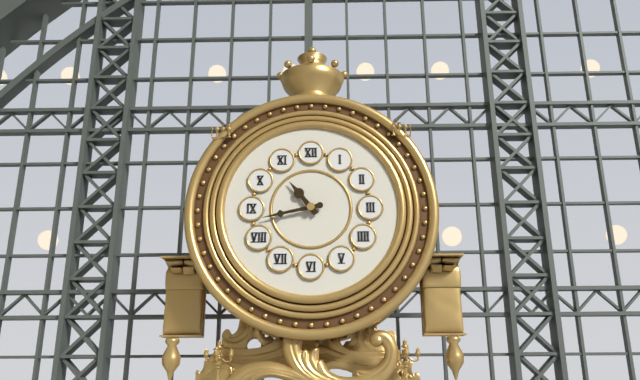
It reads {"hour": 10, "minute": 43}
